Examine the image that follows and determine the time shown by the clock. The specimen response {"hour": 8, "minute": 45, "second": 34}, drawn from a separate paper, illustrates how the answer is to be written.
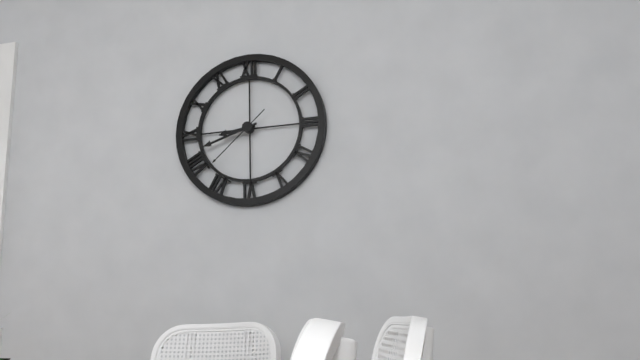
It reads {"hour": 8, "minute": 42, "second": 38}
